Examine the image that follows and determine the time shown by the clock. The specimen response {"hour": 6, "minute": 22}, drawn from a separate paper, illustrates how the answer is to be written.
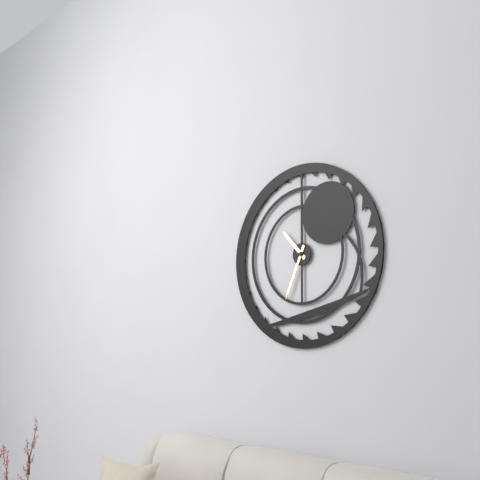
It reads {"hour": 10, "minute": 34}
